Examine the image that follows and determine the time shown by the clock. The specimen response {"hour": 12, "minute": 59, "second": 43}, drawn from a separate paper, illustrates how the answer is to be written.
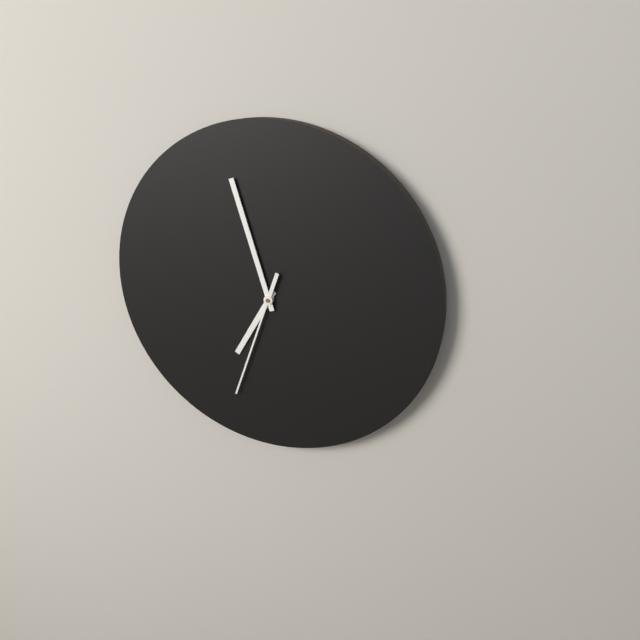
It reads {"hour": 6, "minute": 57, "second": 33}
